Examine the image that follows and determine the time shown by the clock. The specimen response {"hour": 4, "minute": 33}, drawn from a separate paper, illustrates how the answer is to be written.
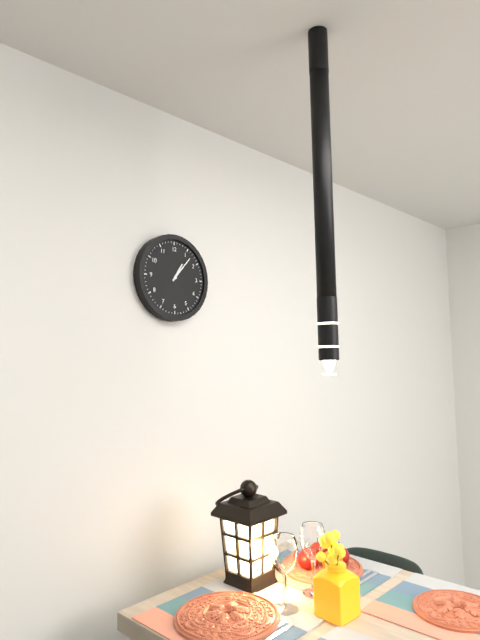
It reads {"hour": 1, "minute": 7}
